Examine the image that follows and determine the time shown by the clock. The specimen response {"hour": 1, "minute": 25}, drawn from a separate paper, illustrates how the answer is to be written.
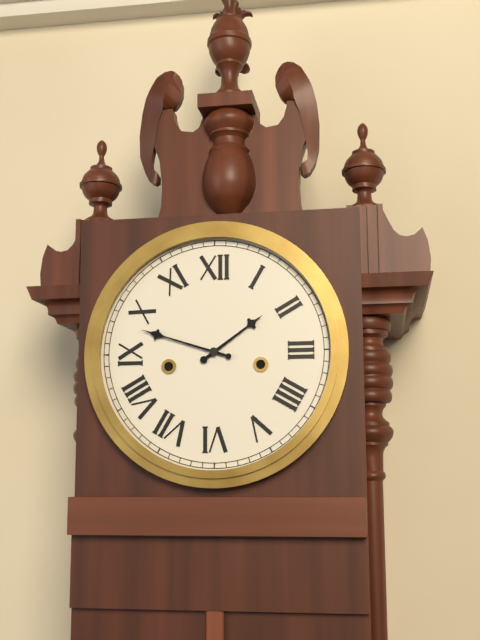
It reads {"hour": 1, "minute": 48}
